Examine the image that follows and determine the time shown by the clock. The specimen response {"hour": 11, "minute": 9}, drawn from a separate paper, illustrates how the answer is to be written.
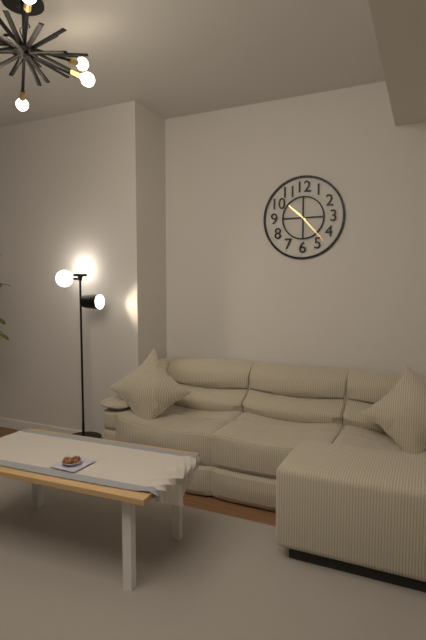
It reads {"hour": 10, "minute": 23}
